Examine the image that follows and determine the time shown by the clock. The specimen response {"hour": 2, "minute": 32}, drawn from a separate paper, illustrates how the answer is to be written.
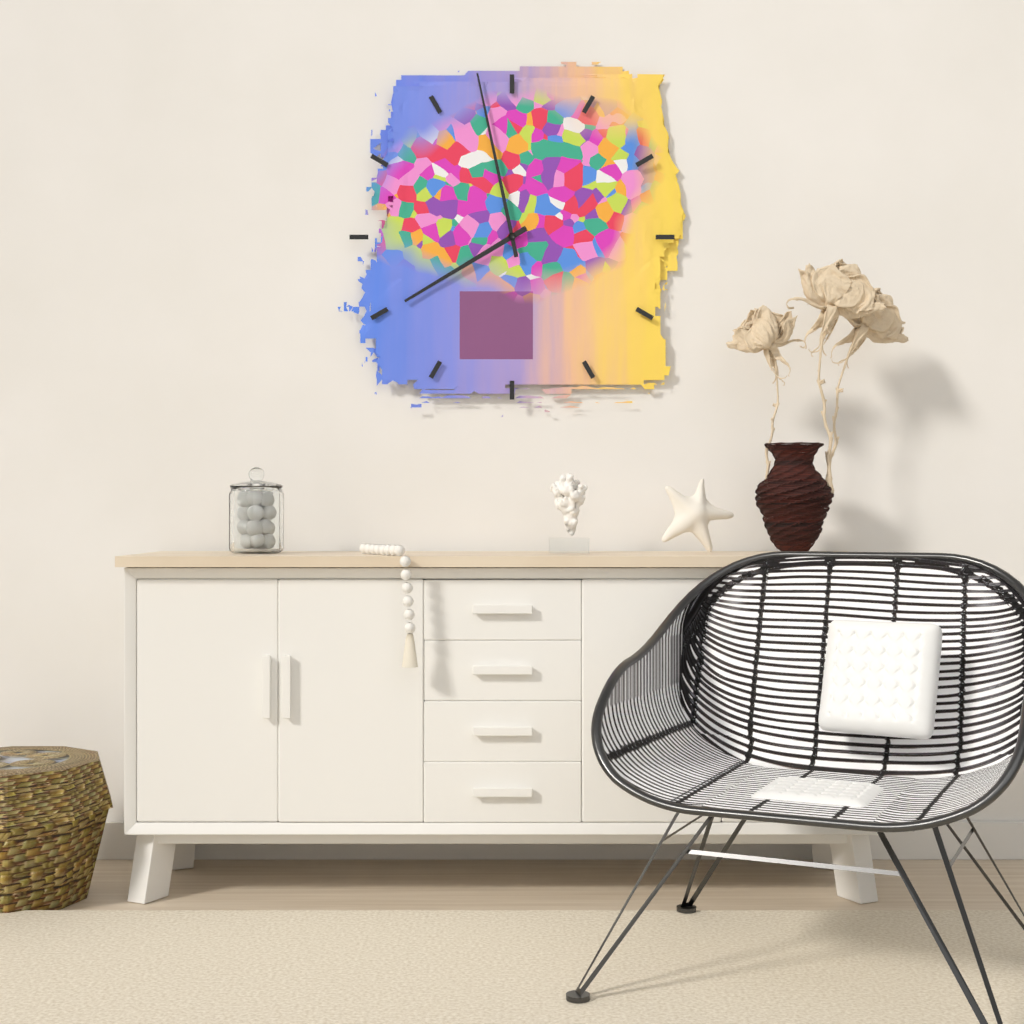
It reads {"hour": 7, "minute": 58}
